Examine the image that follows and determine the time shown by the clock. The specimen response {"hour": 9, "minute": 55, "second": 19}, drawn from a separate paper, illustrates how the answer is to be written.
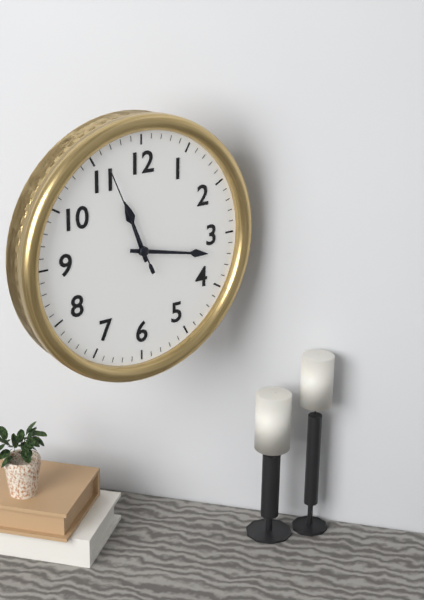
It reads {"hour": 11, "minute": 17, "second": 56}
